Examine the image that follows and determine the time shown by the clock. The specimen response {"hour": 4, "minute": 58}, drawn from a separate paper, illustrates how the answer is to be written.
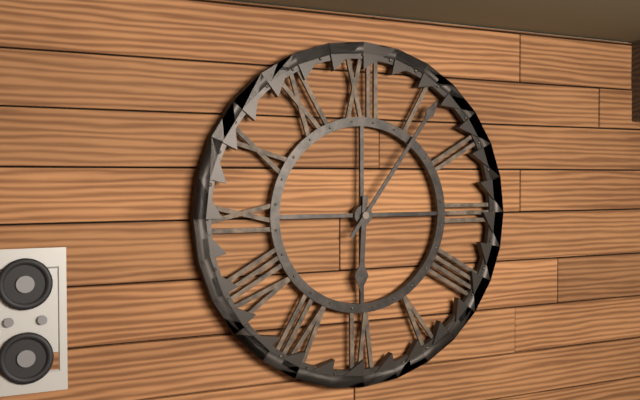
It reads {"hour": 6, "minute": 6}
